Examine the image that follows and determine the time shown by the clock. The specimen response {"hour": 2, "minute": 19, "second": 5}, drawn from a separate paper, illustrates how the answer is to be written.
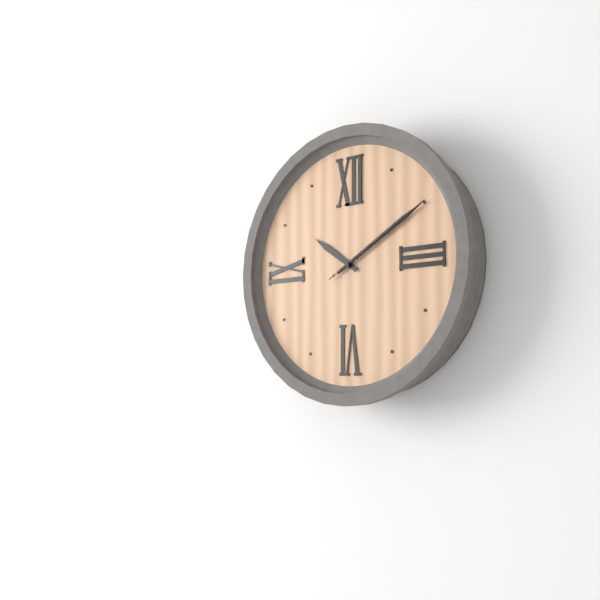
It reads {"hour": 10, "minute": 10, "second": 10}
